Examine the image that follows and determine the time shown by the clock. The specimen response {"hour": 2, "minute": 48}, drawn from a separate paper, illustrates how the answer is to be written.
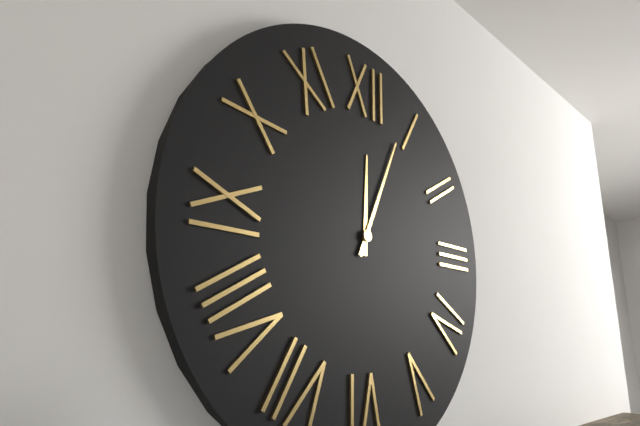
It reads {"hour": 12, "minute": 4}
